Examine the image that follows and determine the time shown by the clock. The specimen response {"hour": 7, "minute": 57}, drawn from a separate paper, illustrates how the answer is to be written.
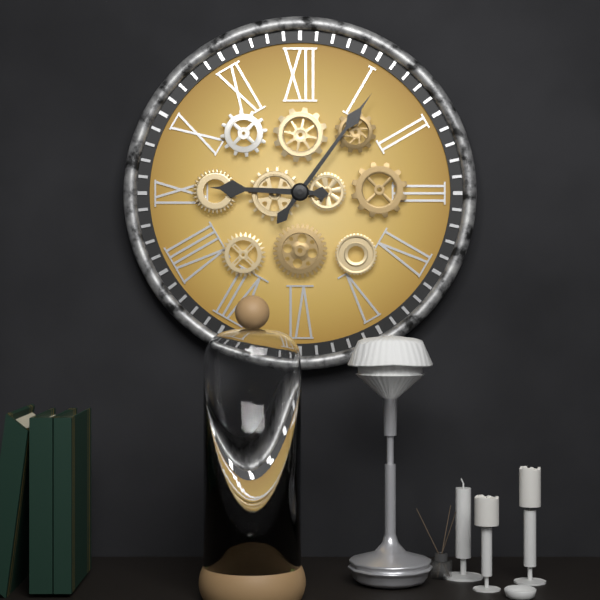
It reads {"hour": 9, "minute": 6}
